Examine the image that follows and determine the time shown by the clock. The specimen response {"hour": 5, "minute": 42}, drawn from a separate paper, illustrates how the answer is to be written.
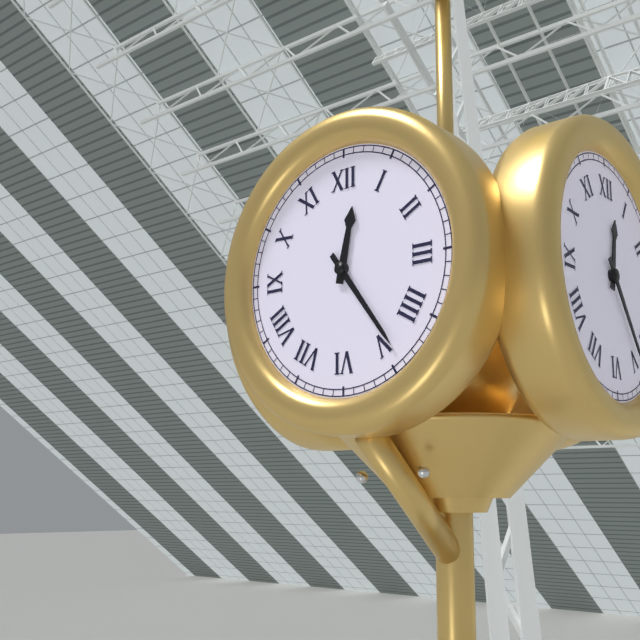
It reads {"hour": 12, "minute": 24}
